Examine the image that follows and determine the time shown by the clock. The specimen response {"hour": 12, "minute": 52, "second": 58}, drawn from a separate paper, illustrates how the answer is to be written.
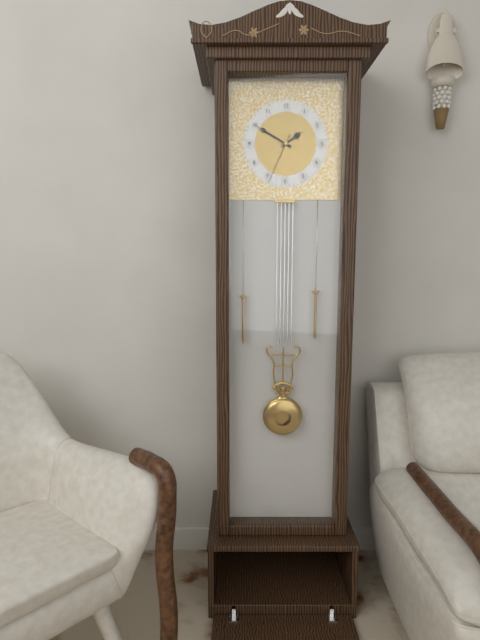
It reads {"hour": 1, "minute": 50, "second": 34}
